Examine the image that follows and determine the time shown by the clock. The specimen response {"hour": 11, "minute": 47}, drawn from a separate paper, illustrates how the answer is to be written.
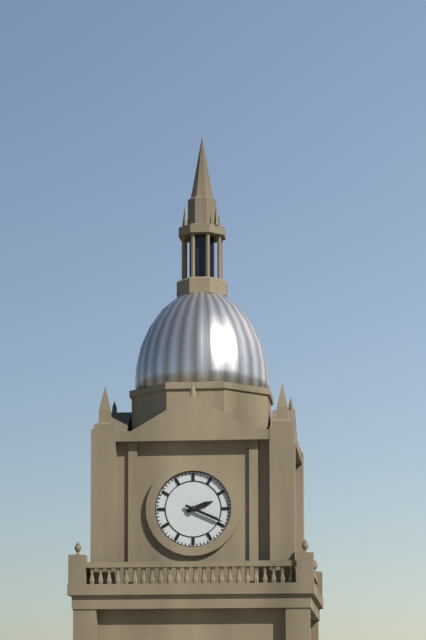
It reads {"hour": 2, "minute": 19}
